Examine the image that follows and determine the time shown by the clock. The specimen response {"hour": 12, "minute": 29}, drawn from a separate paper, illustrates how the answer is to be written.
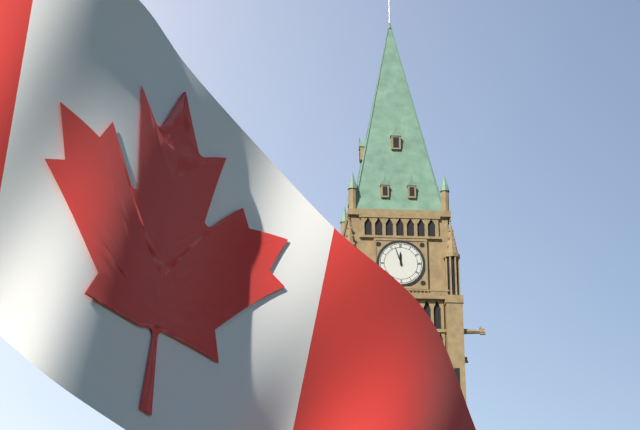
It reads {"hour": 11, "minute": 57}
